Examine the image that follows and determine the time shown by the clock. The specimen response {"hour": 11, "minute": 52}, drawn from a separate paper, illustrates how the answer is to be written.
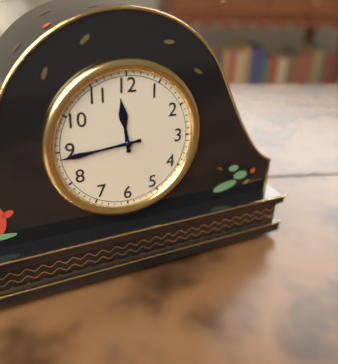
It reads {"hour": 11, "minute": 44}
